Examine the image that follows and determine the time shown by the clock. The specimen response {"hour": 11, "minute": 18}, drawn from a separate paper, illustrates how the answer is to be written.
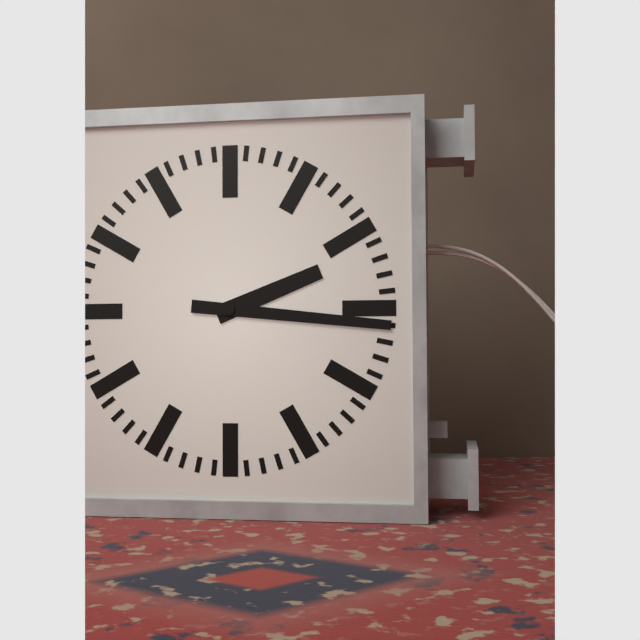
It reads {"hour": 2, "minute": 16}
